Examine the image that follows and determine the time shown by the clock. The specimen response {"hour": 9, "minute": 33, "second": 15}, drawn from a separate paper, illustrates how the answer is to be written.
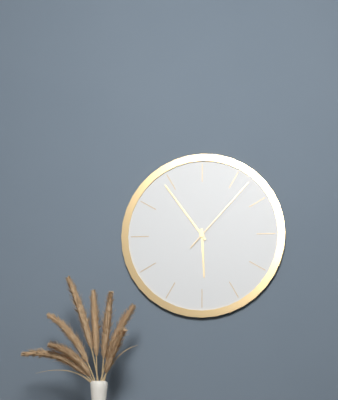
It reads {"hour": 5, "minute": 54, "second": 7}
